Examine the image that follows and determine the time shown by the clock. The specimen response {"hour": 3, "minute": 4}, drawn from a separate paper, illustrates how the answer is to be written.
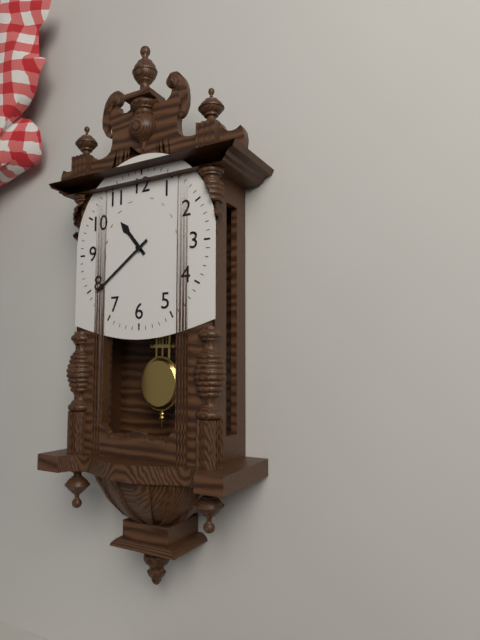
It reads {"hour": 10, "minute": 39}
